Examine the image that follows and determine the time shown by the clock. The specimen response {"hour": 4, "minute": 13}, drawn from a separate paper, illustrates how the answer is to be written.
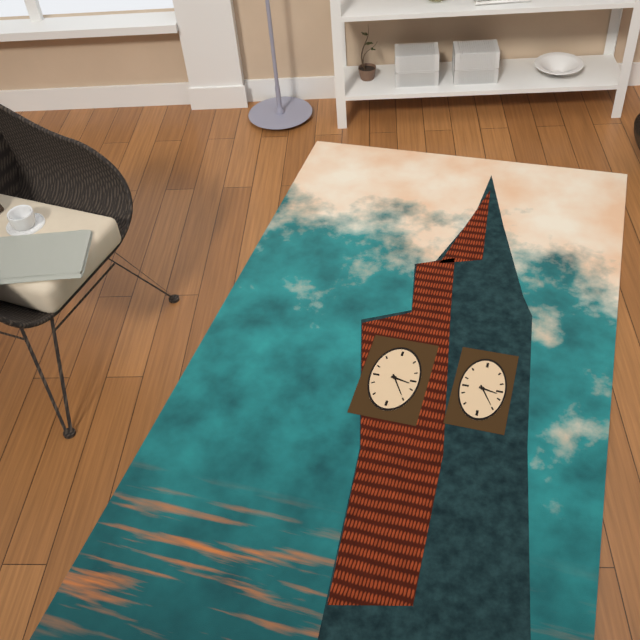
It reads {"hour": 3, "minute": 25}
